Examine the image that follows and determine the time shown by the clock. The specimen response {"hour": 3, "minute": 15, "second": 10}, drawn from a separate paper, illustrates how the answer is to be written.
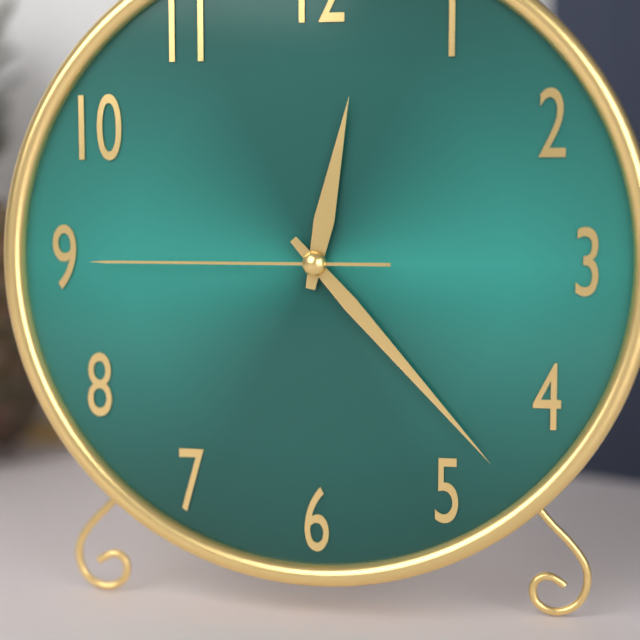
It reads {"hour": 12, "minute": 23, "second": 45}
